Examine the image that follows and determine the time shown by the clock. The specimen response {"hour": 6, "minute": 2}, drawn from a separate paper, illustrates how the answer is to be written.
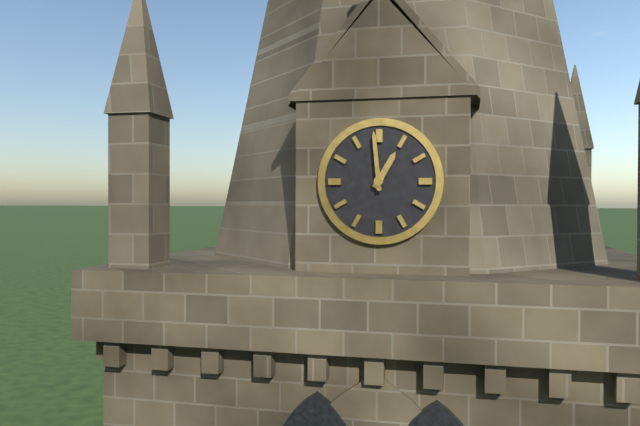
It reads {"hour": 12, "minute": 59}
